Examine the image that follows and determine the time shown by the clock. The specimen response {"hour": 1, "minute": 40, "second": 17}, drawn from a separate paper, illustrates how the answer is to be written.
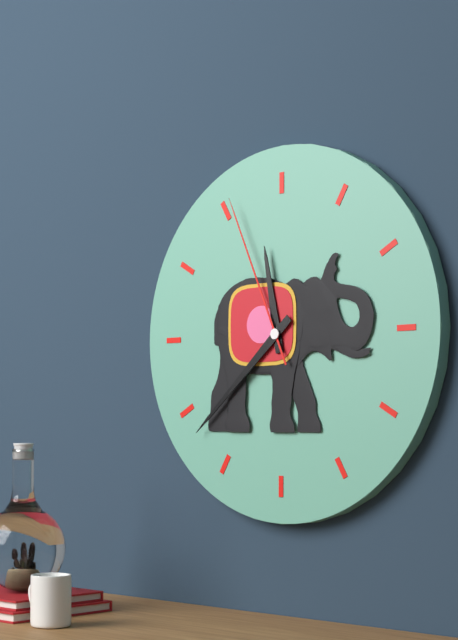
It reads {"hour": 11, "minute": 38, "second": 56}
